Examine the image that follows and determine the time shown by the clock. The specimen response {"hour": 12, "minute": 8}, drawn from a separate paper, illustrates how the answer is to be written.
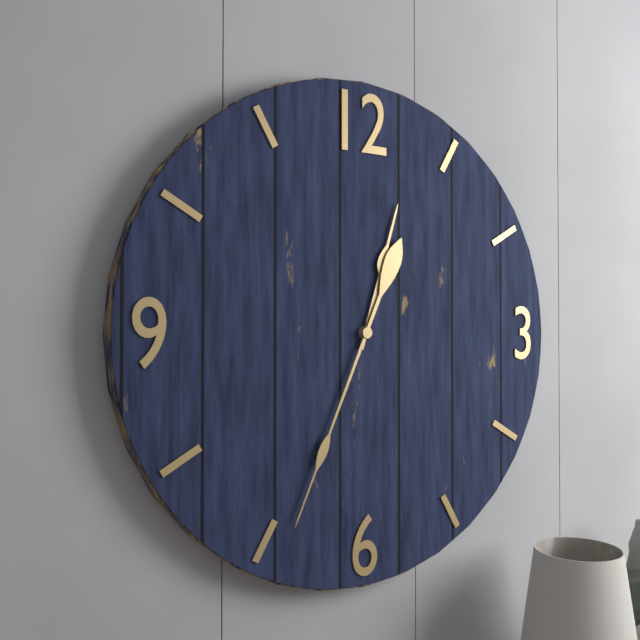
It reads {"hour": 12, "minute": 34}
